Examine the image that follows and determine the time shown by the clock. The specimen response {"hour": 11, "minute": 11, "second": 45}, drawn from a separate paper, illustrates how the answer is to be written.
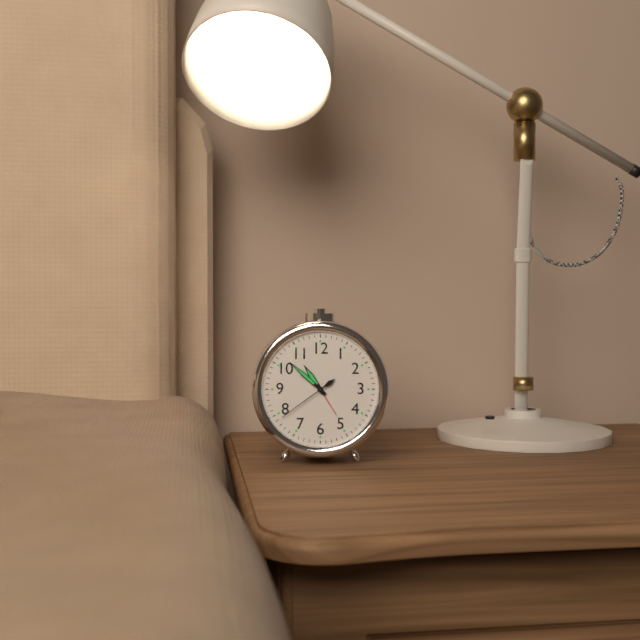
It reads {"hour": 10, "minute": 52, "second": 39}
